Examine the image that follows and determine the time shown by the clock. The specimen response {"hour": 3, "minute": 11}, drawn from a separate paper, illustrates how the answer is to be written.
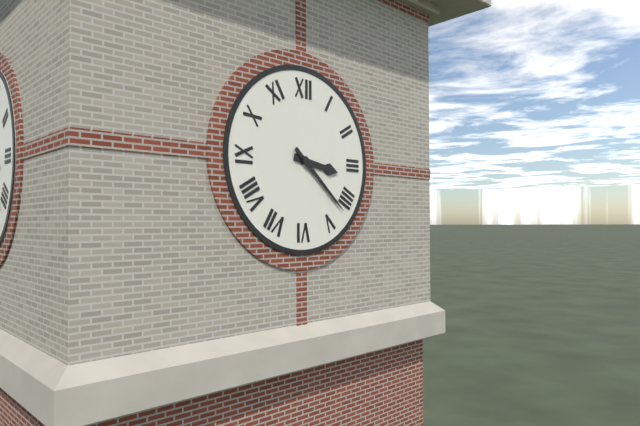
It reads {"hour": 3, "minute": 22}
